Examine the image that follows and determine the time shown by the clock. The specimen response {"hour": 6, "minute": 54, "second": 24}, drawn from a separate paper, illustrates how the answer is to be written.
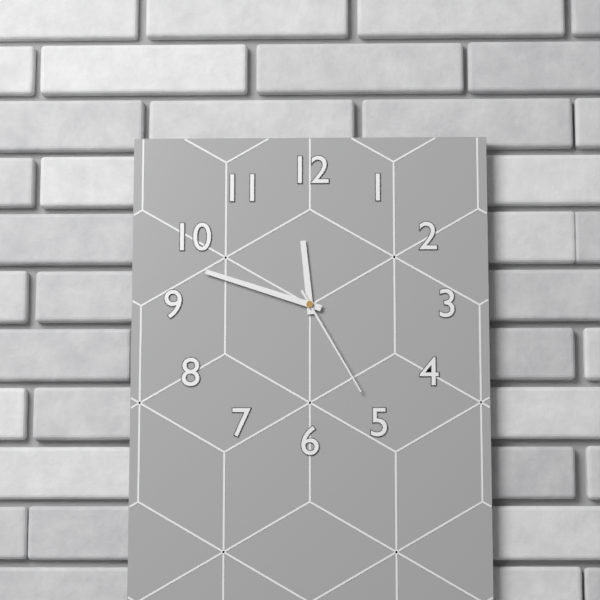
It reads {"hour": 11, "minute": 48, "second": 25}
